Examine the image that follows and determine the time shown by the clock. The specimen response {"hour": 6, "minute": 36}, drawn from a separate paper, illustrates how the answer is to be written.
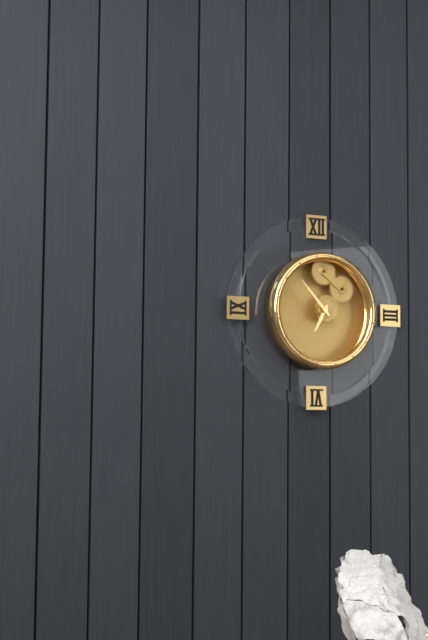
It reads {"hour": 6, "minute": 53}
